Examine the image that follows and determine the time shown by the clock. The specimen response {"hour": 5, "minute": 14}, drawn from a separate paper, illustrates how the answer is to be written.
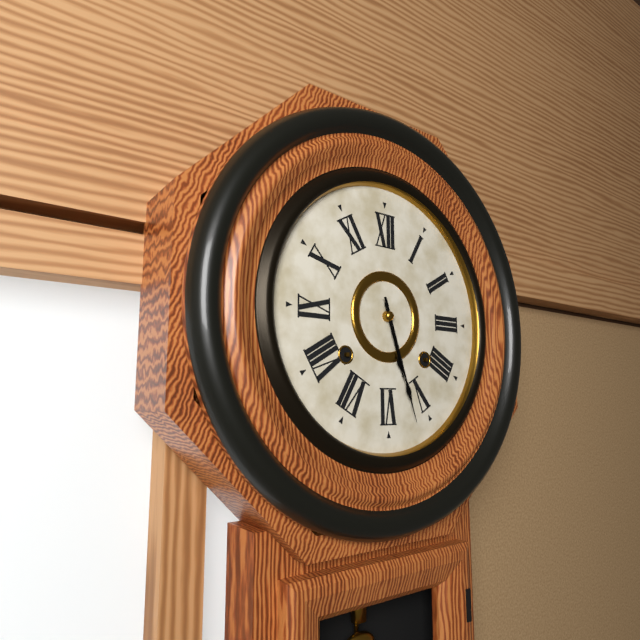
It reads {"hour": 5, "minute": 27}
